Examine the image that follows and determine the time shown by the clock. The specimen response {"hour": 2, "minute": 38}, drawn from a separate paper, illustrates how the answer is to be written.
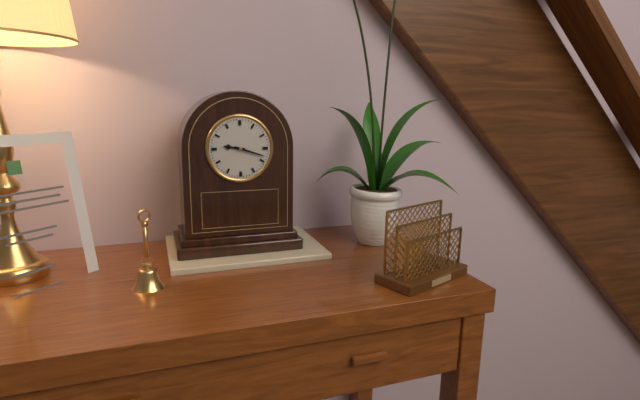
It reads {"hour": 9, "minute": 18}
